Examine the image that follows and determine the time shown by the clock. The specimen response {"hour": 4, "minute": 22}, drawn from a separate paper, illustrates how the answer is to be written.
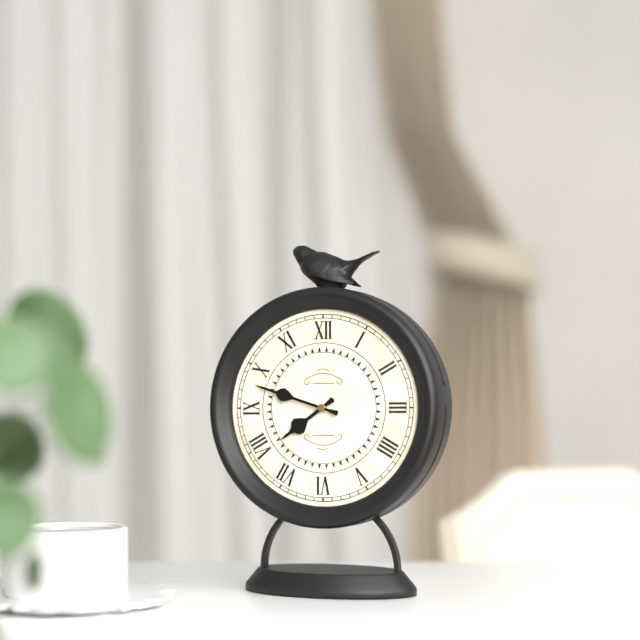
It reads {"hour": 7, "minute": 48}
